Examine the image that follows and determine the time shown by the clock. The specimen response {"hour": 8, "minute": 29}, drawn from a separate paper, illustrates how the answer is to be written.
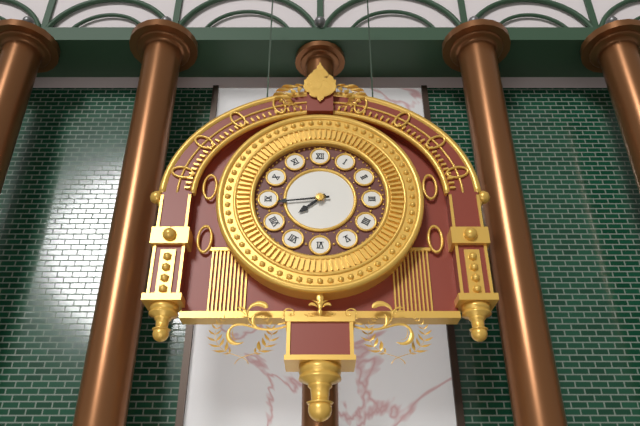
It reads {"hour": 7, "minute": 44}
